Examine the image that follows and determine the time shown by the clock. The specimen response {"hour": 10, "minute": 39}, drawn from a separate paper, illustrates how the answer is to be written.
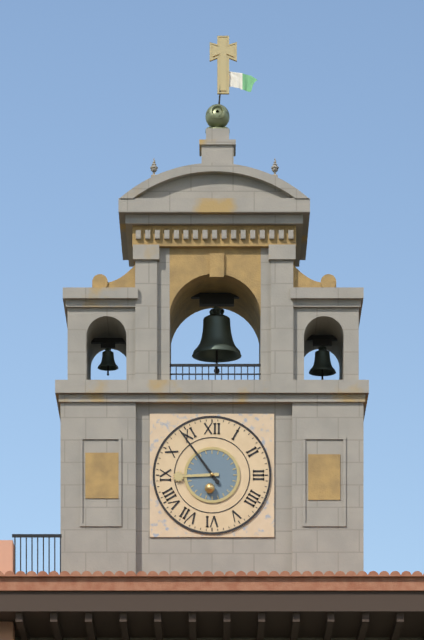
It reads {"hour": 8, "minute": 54}
